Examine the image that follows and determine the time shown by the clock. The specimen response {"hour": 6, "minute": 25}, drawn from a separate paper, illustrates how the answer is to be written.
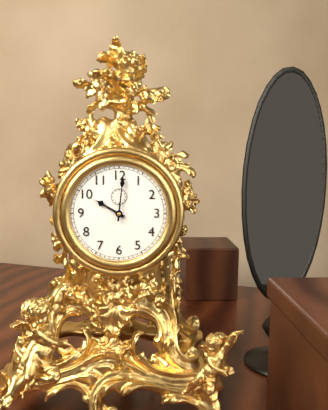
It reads {"hour": 10, "minute": 1}
